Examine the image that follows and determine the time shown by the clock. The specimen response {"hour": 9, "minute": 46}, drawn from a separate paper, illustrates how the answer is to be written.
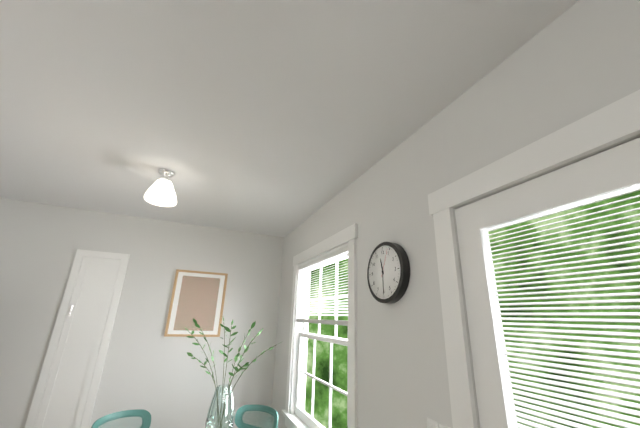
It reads {"hour": 11, "minute": 30}
